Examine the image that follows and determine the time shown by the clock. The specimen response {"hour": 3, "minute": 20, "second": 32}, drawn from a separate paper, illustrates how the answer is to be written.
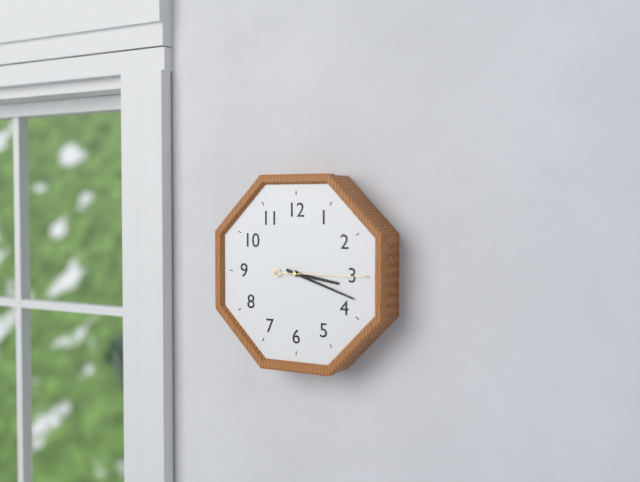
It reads {"hour": 3, "minute": 18, "second": 15}
